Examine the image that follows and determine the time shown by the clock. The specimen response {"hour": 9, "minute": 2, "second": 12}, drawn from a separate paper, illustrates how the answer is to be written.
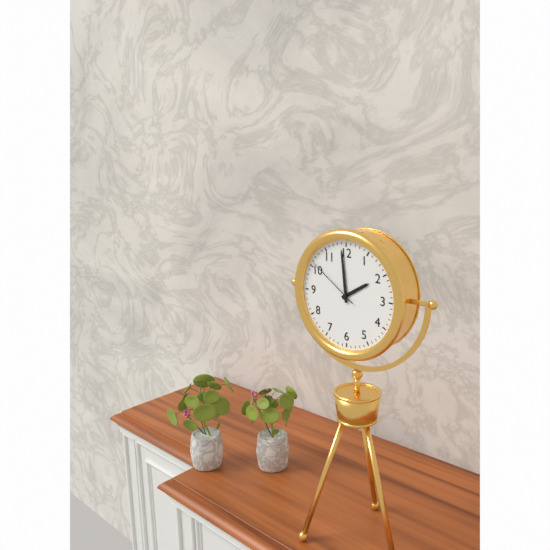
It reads {"hour": 1, "minute": 59, "second": 51}
